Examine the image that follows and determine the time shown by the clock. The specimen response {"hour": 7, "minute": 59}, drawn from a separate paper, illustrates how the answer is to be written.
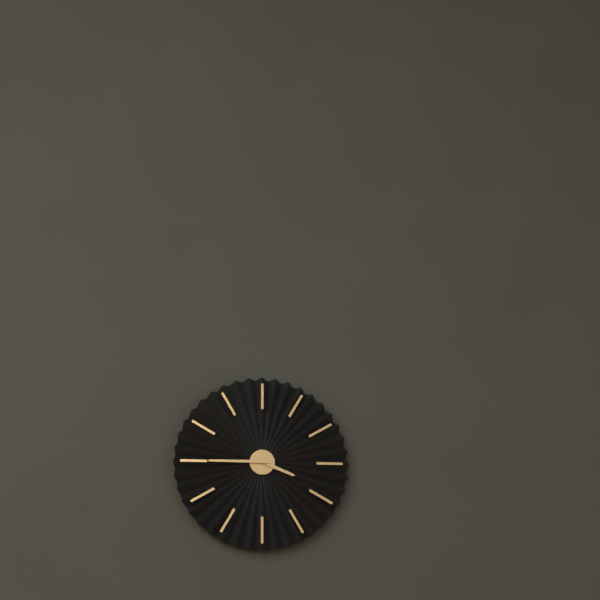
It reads {"hour": 3, "minute": 45}
